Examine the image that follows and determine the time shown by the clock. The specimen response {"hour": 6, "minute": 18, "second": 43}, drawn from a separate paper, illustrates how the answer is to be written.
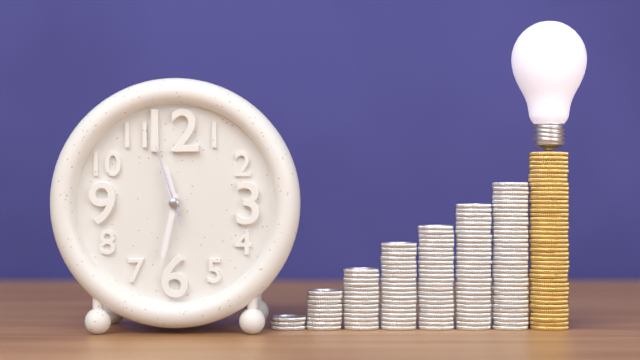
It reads {"hour": 11, "minute": 32, "second": 57}
